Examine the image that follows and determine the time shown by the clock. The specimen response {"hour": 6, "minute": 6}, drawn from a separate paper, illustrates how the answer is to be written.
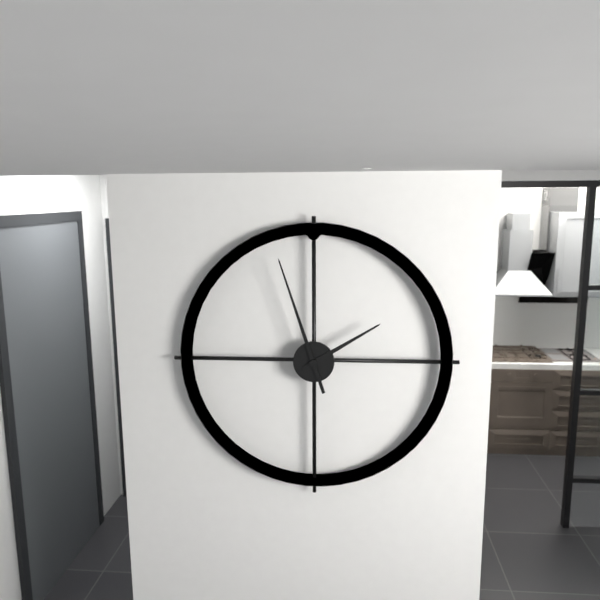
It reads {"hour": 1, "minute": 57}
